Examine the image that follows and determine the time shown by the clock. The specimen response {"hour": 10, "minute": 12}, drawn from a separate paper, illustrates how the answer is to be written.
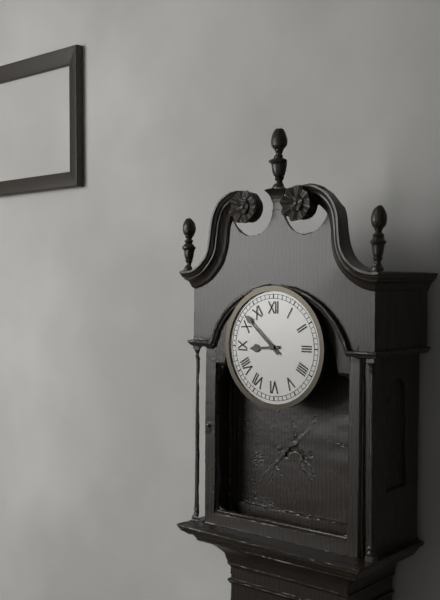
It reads {"hour": 8, "minute": 52}
